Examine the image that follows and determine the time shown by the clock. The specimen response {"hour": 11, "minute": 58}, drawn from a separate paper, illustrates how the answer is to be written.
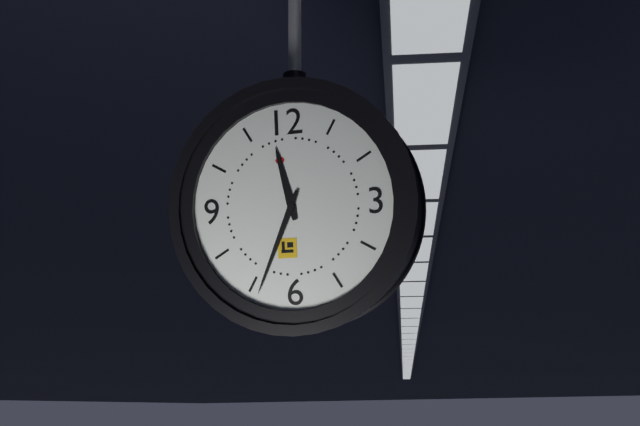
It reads {"hour": 11, "minute": 34}
